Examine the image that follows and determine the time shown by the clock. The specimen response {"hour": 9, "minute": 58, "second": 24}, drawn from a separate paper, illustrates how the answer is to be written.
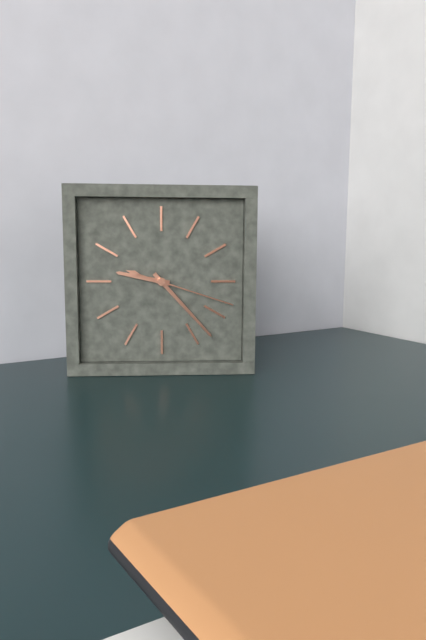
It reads {"hour": 9, "minute": 23, "second": 18}
